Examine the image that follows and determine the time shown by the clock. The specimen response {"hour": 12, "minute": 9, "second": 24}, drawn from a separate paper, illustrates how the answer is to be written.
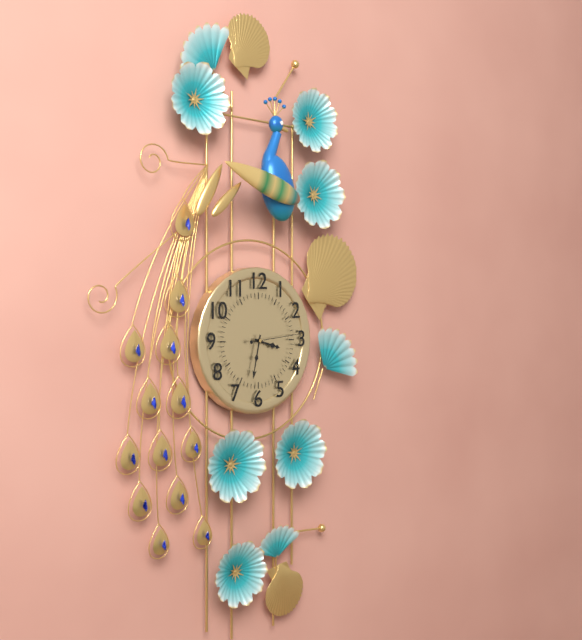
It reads {"hour": 3, "minute": 32, "second": 14}
